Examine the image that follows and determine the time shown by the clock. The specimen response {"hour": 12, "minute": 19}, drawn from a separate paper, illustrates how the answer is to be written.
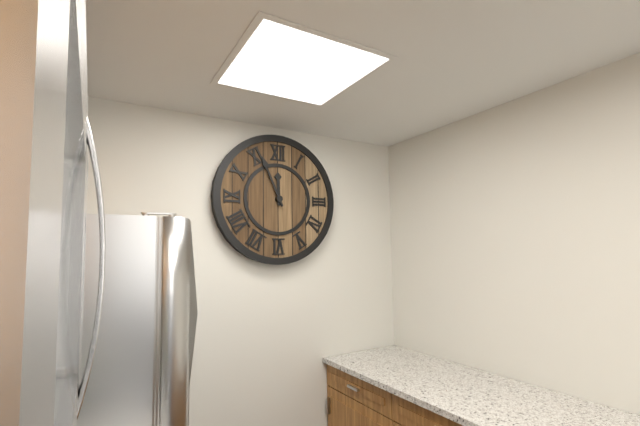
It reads {"hour": 11, "minute": 56}
